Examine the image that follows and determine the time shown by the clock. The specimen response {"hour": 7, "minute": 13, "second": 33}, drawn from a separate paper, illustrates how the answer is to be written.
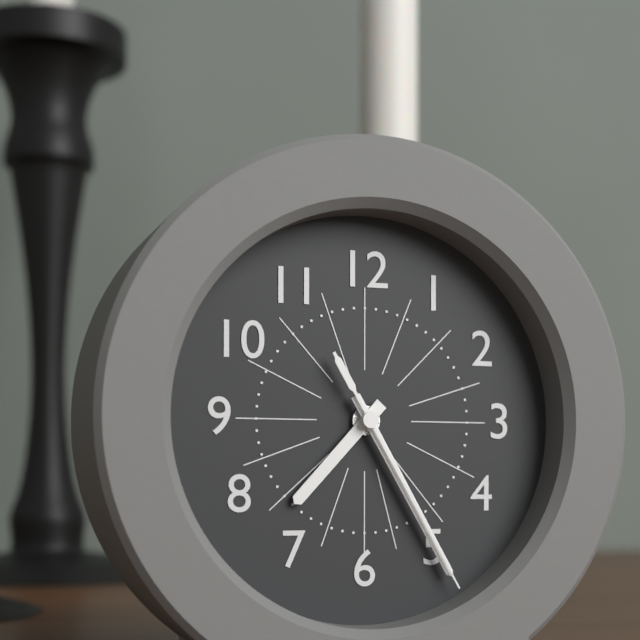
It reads {"hour": 7, "minute": 25, "second": 25}
